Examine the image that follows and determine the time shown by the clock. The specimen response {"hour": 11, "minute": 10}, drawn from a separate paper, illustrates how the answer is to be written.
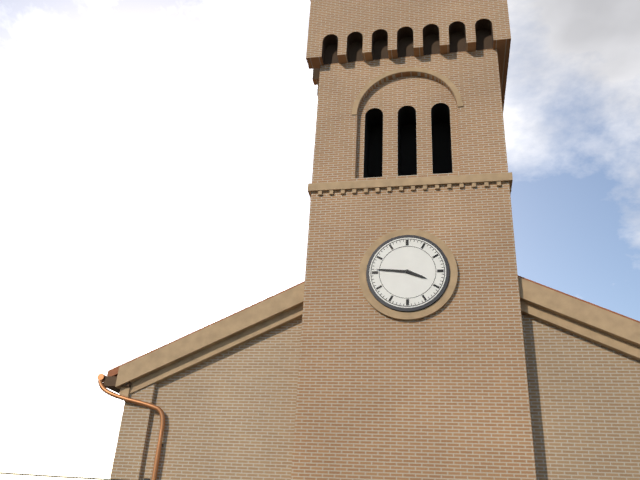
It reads {"hour": 3, "minute": 46}
